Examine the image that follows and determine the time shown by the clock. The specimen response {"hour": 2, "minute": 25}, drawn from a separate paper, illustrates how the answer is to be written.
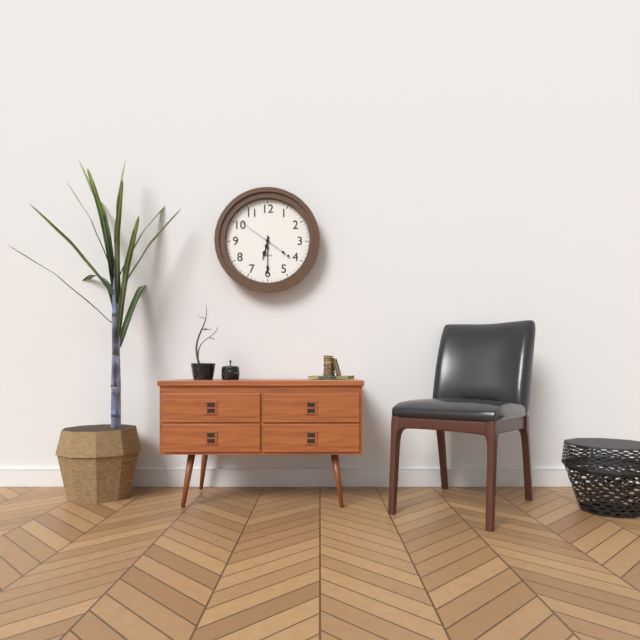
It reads {"hour": 6, "minute": 30}
